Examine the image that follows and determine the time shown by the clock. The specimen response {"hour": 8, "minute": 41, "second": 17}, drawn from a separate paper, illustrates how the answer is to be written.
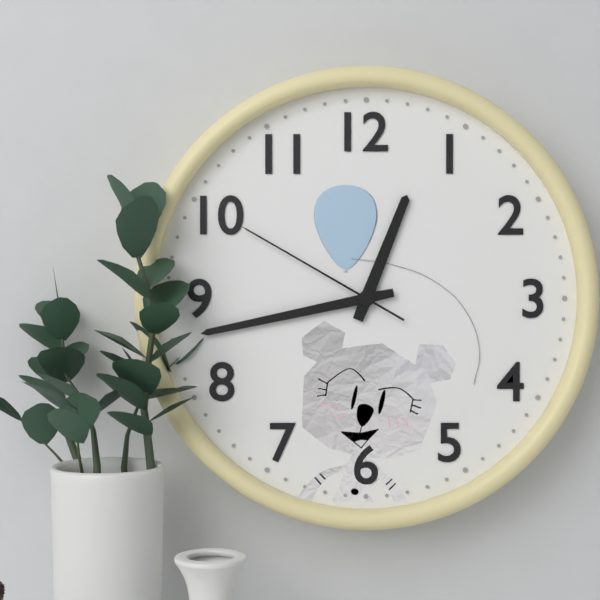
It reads {"hour": 12, "minute": 43, "second": 50}
